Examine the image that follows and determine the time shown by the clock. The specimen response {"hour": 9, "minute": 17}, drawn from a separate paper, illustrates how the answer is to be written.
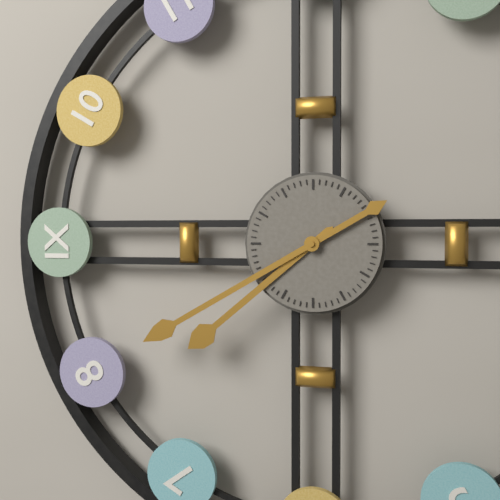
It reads {"hour": 7, "minute": 40}
